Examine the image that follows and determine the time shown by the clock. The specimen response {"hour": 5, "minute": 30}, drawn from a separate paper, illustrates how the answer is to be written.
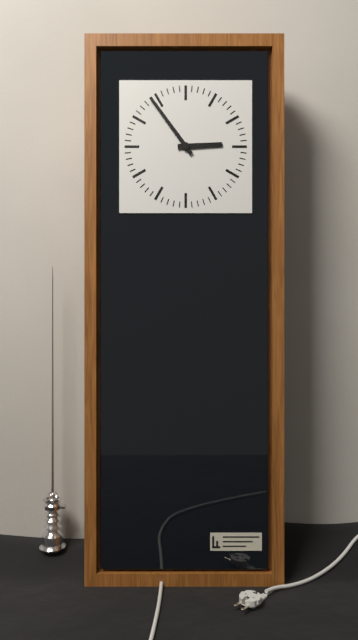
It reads {"hour": 2, "minute": 54}
